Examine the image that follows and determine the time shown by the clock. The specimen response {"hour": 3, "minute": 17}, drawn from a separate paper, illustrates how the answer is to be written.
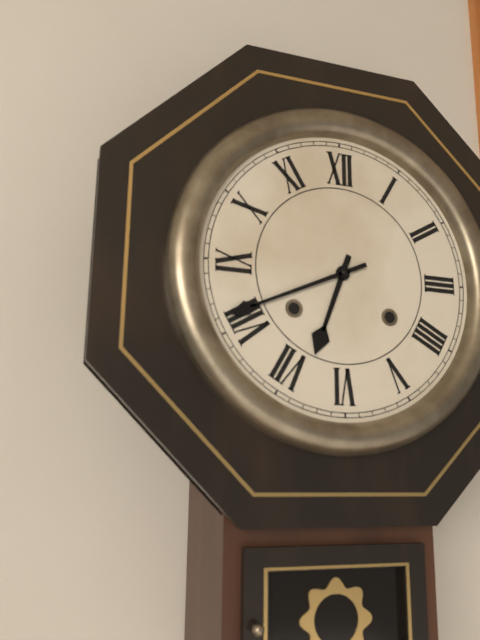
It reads {"hour": 6, "minute": 41}
